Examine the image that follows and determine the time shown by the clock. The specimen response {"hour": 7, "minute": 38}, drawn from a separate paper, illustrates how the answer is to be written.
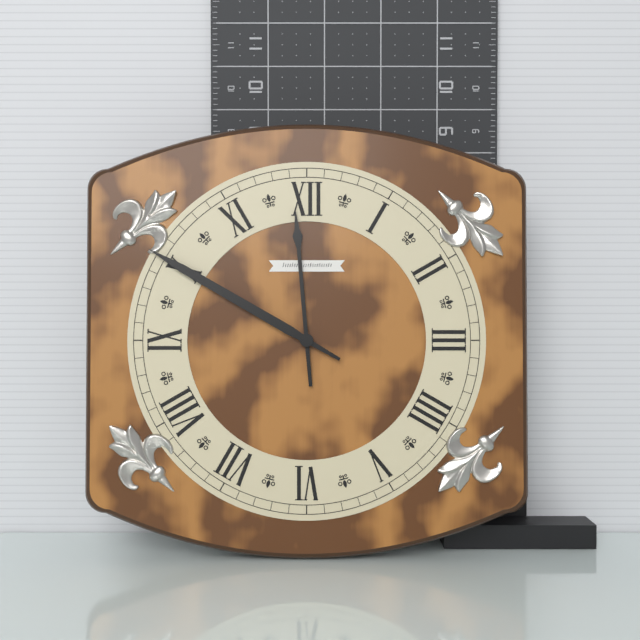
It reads {"hour": 11, "minute": 50}
